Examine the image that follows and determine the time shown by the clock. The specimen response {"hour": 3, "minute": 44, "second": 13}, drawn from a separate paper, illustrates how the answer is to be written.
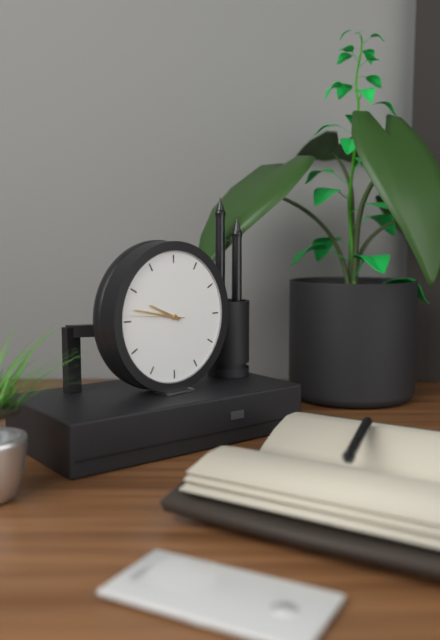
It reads {"hour": 9, "minute": 47, "second": 46}
